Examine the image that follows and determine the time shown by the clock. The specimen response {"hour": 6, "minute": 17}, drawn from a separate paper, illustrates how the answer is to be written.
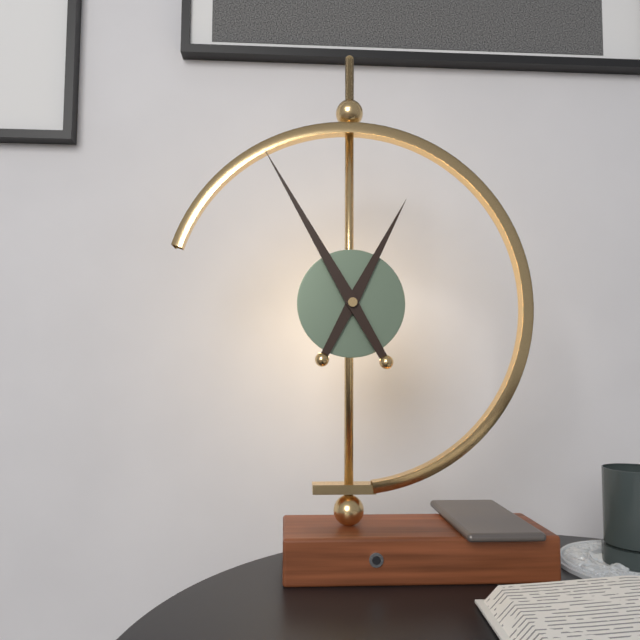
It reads {"hour": 12, "minute": 55}
